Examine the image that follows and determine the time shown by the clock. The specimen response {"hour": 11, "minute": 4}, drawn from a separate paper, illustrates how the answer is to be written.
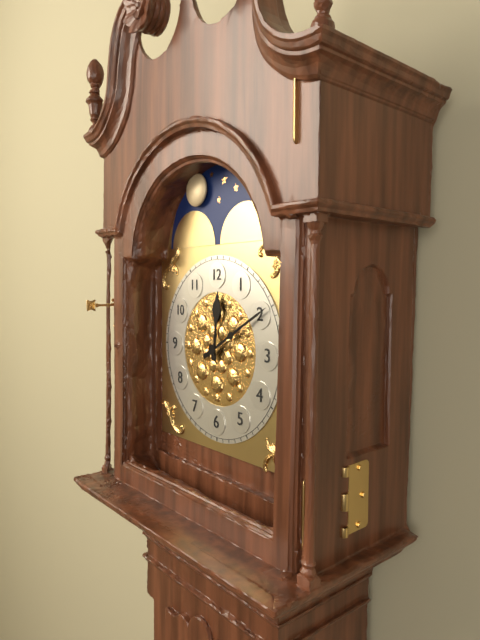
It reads {"hour": 12, "minute": 10}
